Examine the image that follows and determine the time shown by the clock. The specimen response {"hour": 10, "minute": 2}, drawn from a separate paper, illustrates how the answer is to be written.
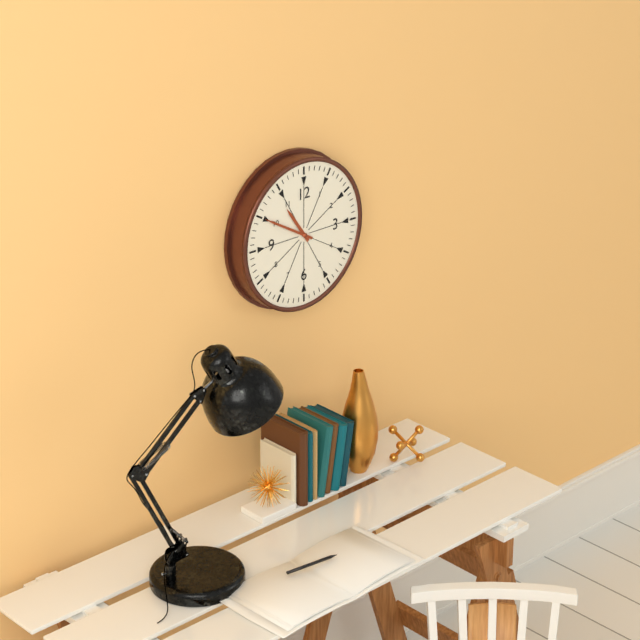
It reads {"hour": 10, "minute": 50}
